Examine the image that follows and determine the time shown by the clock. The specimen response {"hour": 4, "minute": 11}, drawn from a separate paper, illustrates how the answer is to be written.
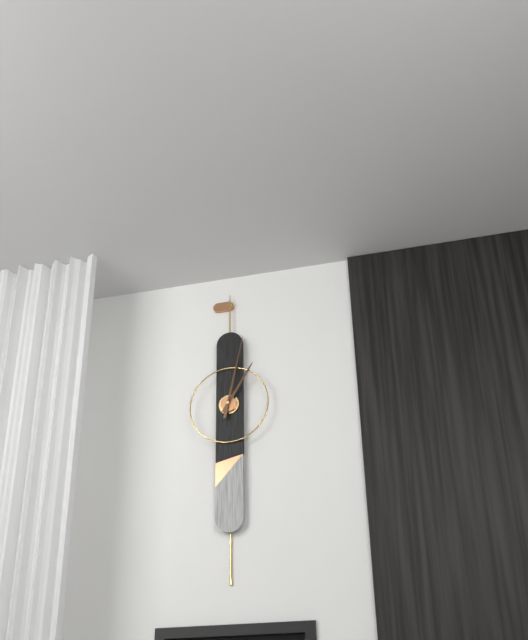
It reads {"hour": 1, "minute": 2}
